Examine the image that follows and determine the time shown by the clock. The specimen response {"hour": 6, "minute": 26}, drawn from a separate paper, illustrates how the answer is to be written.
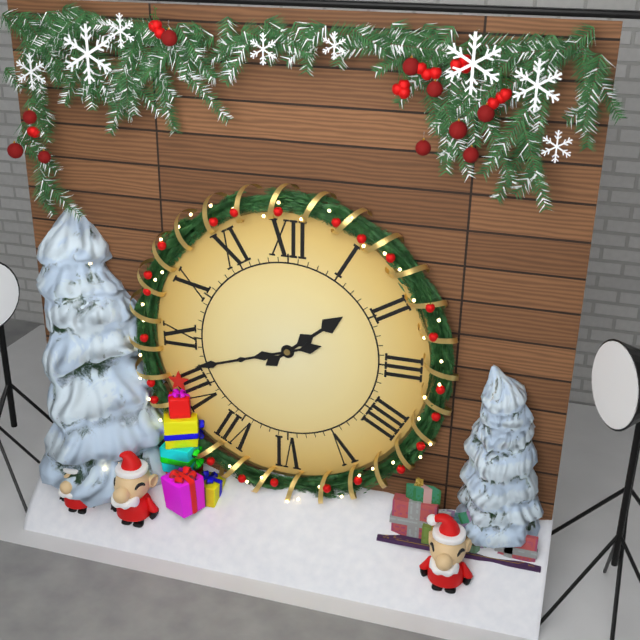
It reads {"hour": 1, "minute": 42}
